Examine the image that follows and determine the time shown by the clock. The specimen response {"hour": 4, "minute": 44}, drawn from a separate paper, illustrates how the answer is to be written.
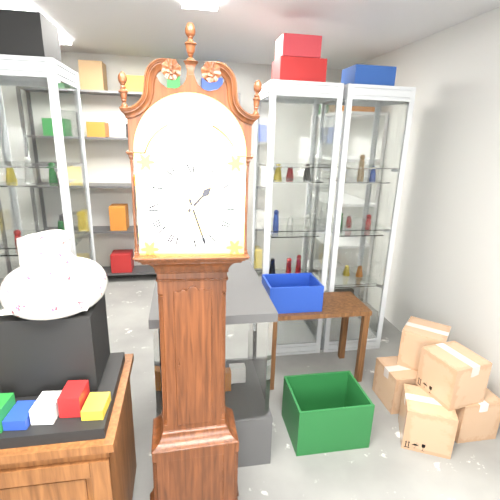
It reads {"hour": 1, "minute": 27}
